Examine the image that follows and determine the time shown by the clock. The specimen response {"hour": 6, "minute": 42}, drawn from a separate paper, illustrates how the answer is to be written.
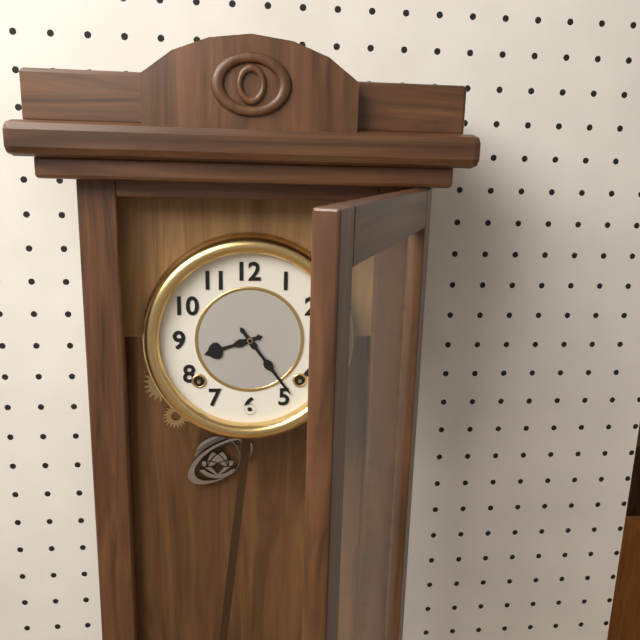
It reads {"hour": 8, "minute": 24}
